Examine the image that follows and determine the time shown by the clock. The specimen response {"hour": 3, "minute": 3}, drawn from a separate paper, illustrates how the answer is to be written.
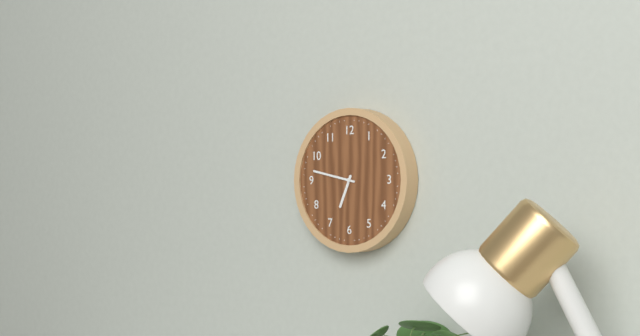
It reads {"hour": 6, "minute": 47}
